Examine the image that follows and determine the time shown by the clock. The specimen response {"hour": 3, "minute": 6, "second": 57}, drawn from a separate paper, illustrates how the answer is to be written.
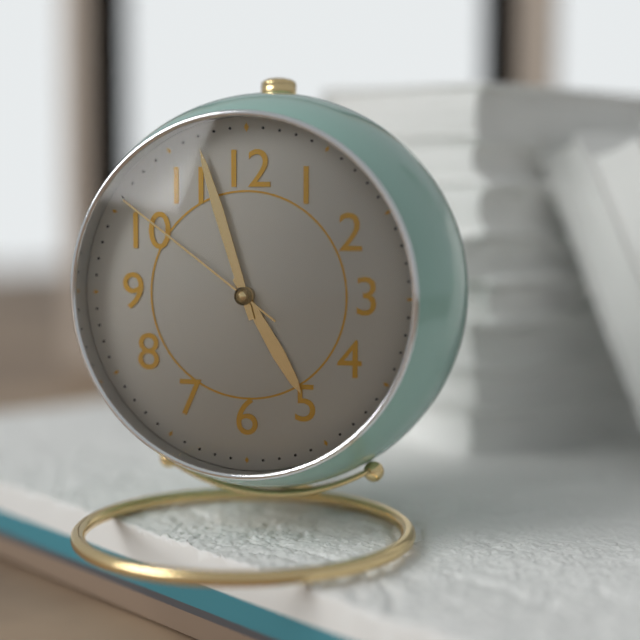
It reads {"hour": 4, "minute": 57, "second": 51}
